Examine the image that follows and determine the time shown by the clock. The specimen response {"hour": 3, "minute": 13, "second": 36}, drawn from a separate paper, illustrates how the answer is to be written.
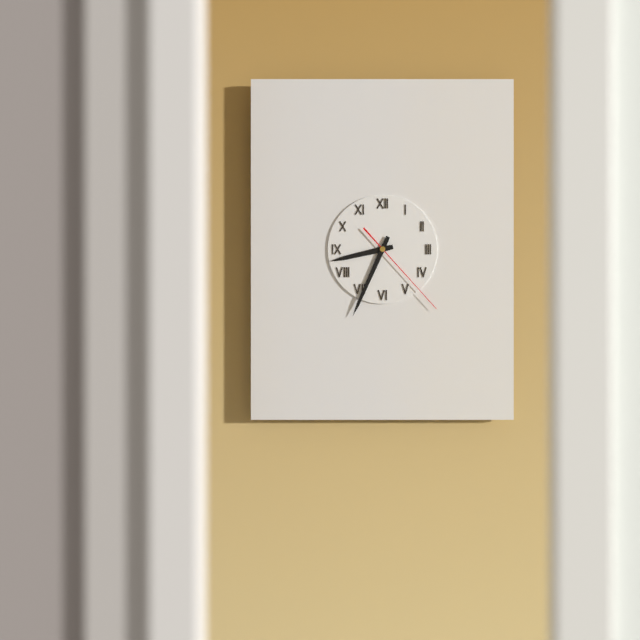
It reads {"hour": 8, "minute": 34, "second": 23}
